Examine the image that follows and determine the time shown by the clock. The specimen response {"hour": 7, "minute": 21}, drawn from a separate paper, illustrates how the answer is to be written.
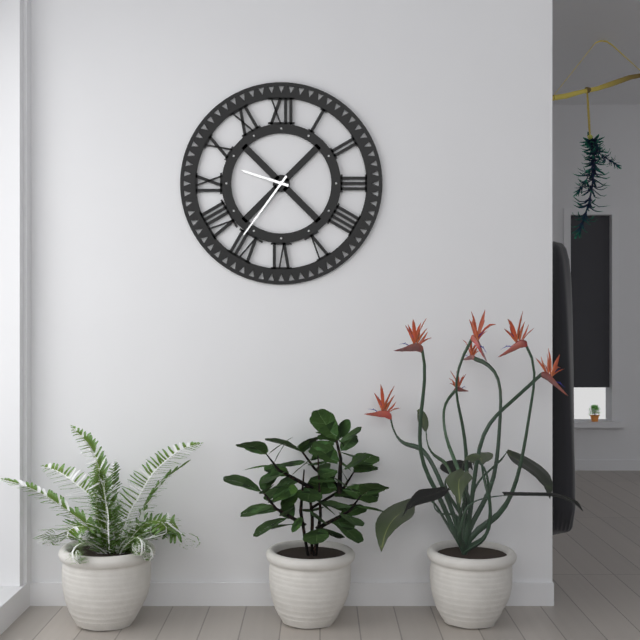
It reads {"hour": 9, "minute": 36}
